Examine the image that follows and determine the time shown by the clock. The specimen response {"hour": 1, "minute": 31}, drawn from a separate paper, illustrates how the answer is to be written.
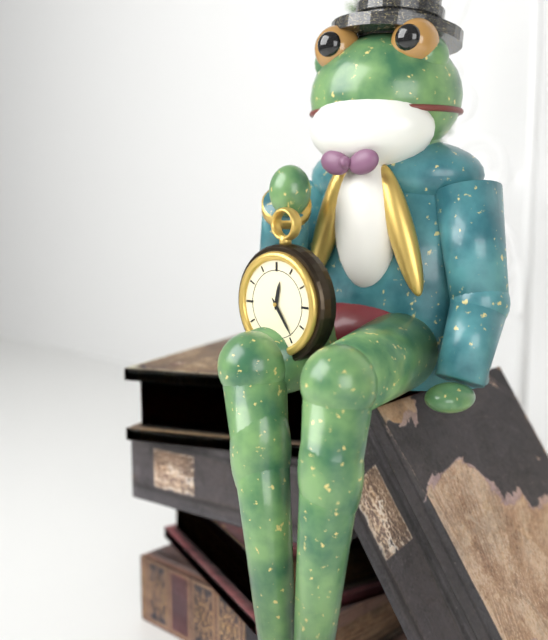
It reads {"hour": 12, "minute": 24}
